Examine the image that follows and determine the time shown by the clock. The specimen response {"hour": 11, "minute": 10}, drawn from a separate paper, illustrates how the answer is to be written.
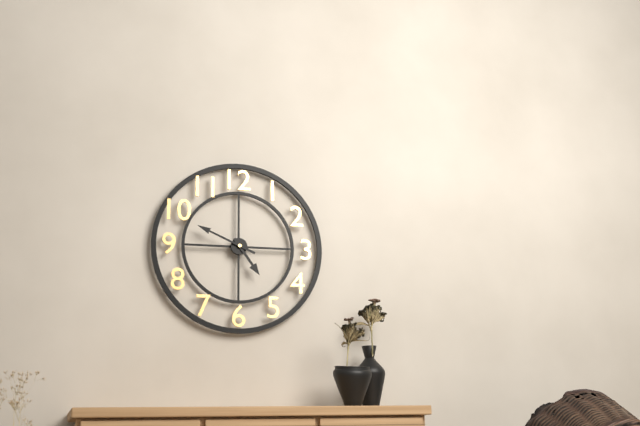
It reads {"hour": 4, "minute": 49}
